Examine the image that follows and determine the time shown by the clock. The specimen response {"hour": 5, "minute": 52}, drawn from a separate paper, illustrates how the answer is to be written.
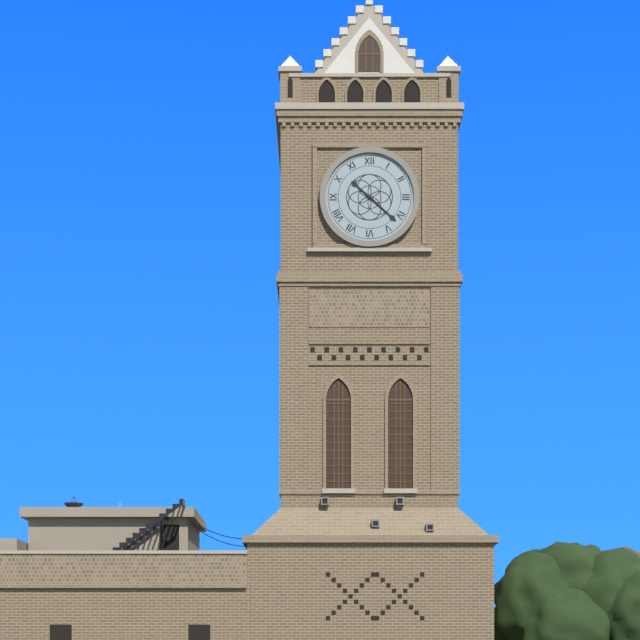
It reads {"hour": 10, "minute": 22}
